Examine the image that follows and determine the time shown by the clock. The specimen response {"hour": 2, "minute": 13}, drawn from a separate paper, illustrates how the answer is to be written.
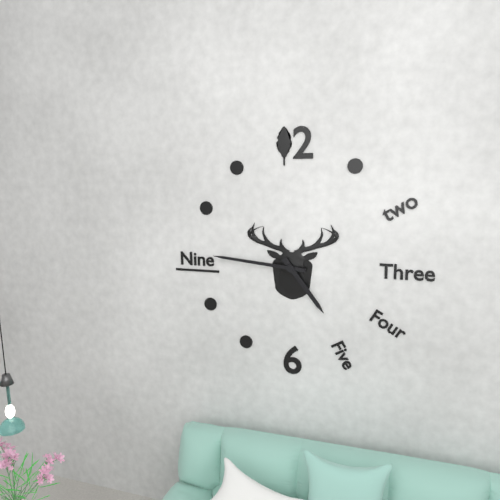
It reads {"hour": 4, "minute": 46}
